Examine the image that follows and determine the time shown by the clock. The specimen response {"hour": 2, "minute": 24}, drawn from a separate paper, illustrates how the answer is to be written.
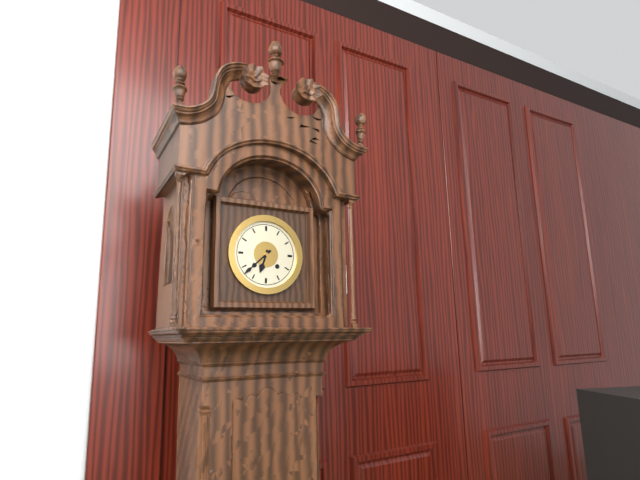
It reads {"hour": 6, "minute": 38}
